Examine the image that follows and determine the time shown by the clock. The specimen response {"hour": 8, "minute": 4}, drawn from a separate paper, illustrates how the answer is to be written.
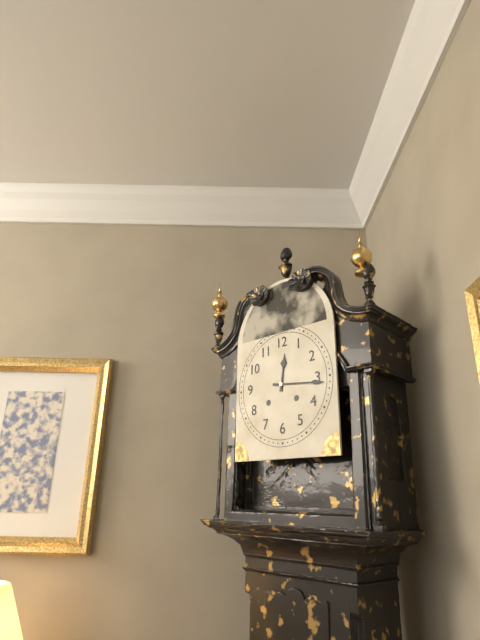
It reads {"hour": 12, "minute": 16}
